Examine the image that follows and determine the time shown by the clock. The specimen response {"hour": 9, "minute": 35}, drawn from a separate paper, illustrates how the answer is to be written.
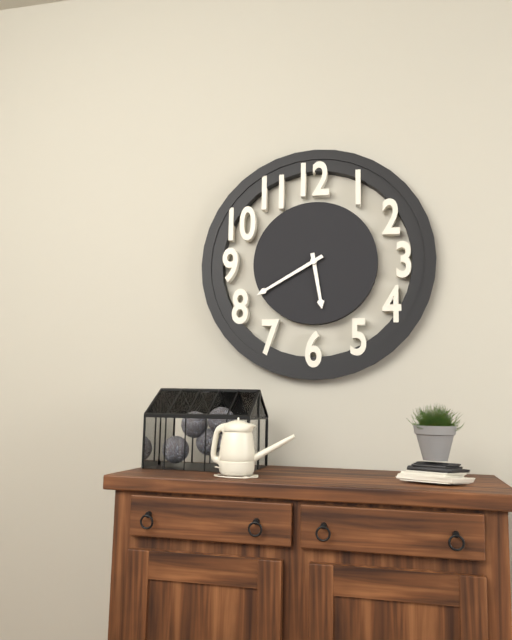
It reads {"hour": 5, "minute": 40}
